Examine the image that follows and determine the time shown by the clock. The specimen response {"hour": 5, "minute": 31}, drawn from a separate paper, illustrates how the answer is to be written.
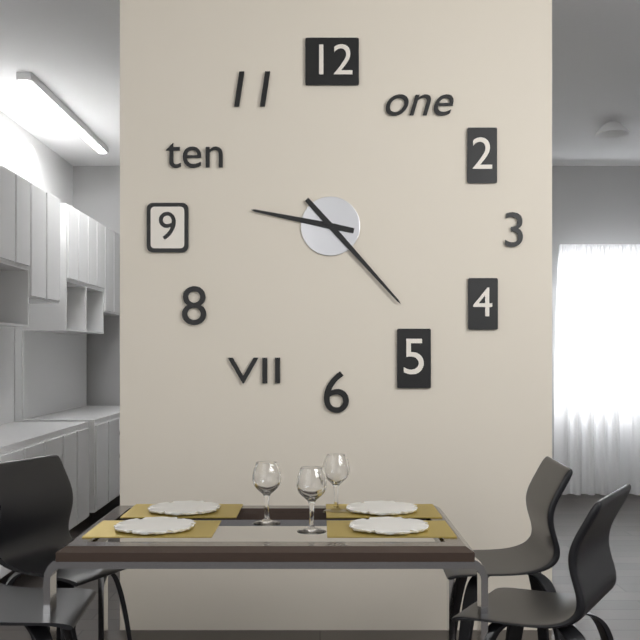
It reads {"hour": 9, "minute": 23}
